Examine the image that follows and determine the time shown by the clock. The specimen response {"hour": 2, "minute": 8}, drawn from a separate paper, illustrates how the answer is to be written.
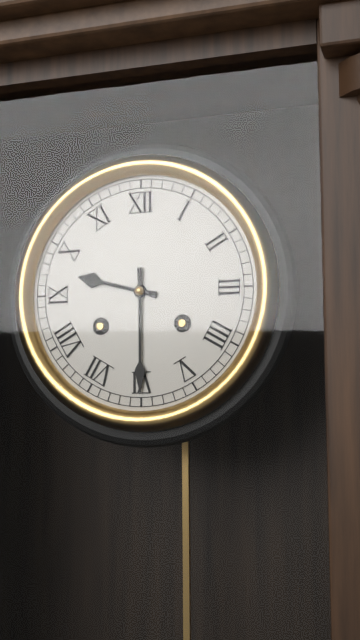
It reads {"hour": 9, "minute": 30}
